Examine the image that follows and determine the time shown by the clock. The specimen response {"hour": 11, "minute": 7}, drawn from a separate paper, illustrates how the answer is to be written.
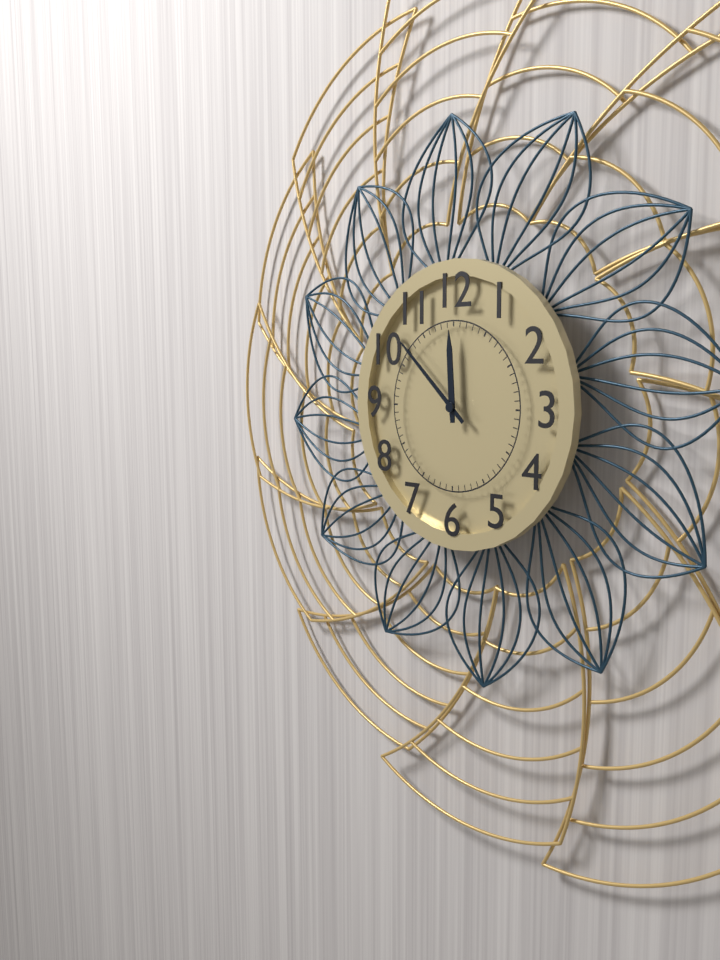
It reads {"hour": 11, "minute": 52}
